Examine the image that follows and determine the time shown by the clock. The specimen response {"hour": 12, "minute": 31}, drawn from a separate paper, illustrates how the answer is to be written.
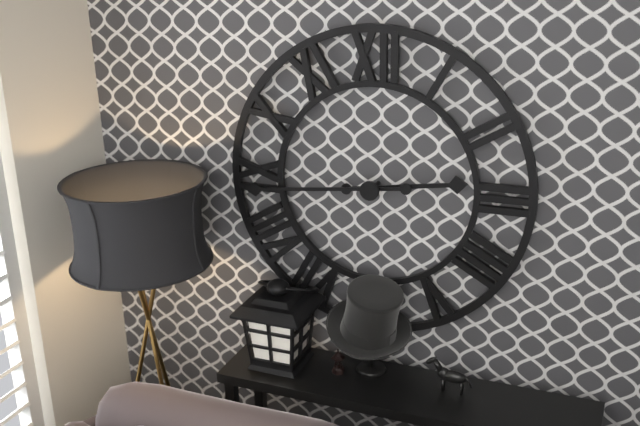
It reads {"hour": 2, "minute": 44}
